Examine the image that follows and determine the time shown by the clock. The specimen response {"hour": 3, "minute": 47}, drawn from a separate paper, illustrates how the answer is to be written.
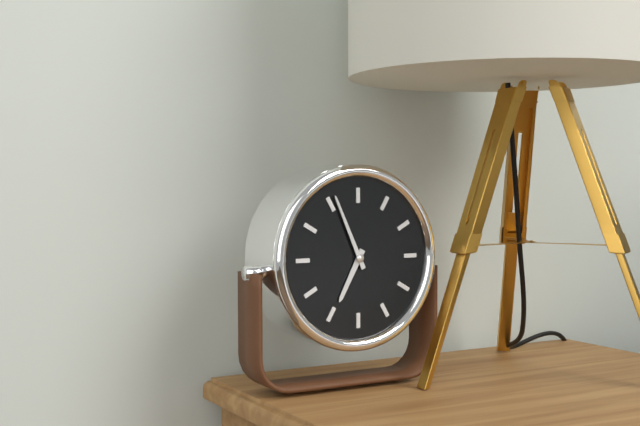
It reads {"hour": 6, "minute": 56}
